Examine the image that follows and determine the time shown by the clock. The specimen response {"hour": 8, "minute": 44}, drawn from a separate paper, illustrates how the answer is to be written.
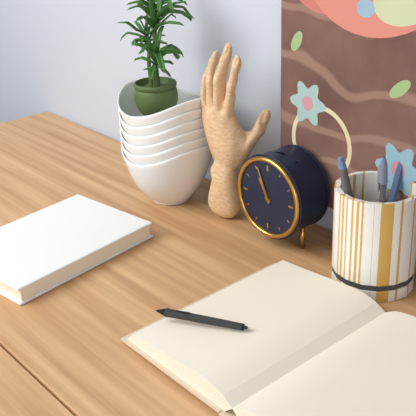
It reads {"hour": 10, "minute": 56}
